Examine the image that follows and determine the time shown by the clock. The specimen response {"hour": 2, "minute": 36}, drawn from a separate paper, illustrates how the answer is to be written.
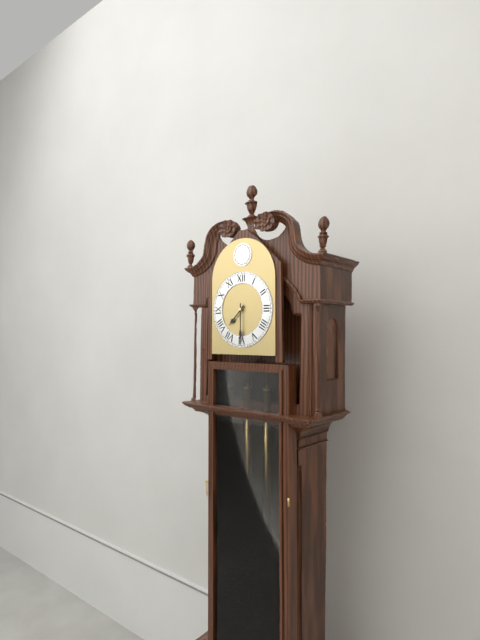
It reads {"hour": 7, "minute": 30}
